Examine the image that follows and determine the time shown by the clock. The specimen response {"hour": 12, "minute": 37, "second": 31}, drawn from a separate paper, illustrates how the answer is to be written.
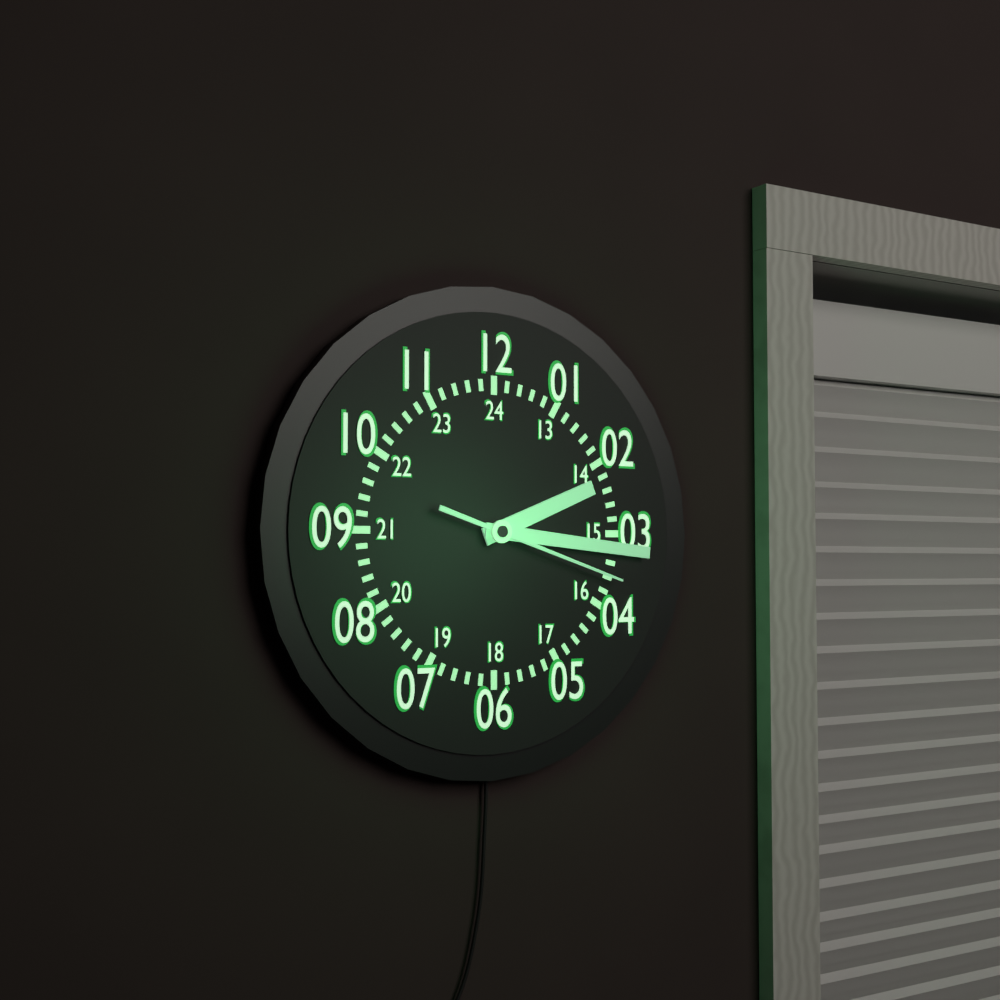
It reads {"hour": 2, "minute": 16, "second": 18}
